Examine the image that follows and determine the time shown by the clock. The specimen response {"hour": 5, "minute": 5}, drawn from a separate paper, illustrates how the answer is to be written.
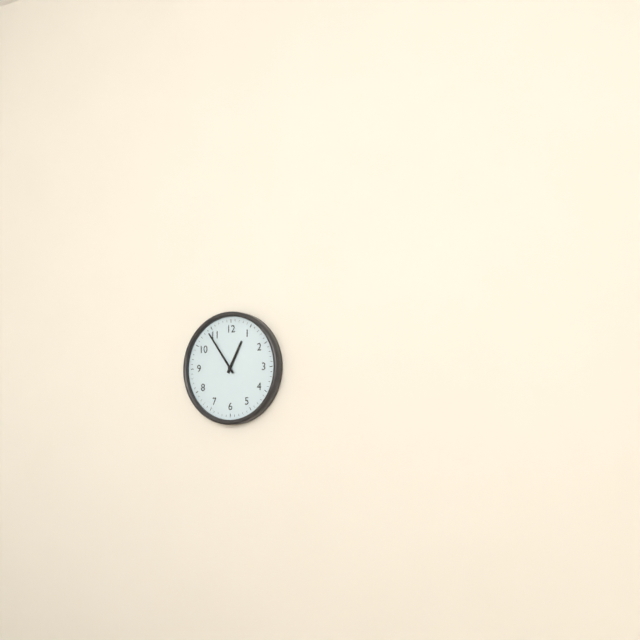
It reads {"hour": 12, "minute": 54}
